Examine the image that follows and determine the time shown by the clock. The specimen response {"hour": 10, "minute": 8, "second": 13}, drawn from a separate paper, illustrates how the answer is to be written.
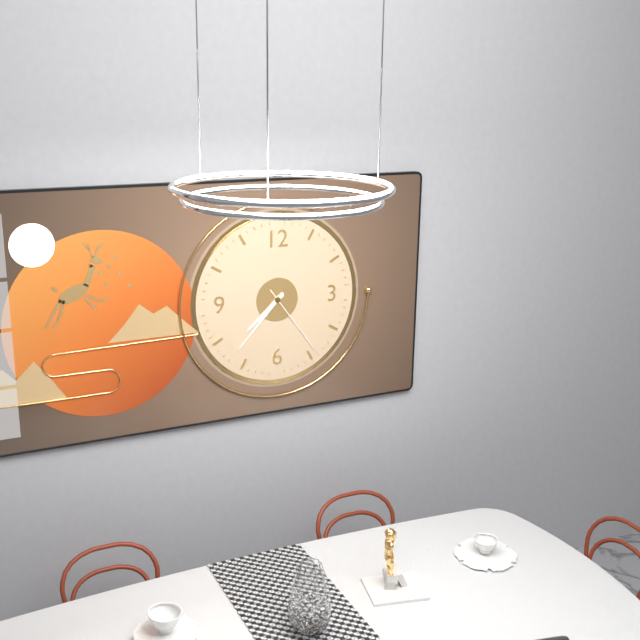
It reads {"hour": 7, "minute": 37, "second": 24}
